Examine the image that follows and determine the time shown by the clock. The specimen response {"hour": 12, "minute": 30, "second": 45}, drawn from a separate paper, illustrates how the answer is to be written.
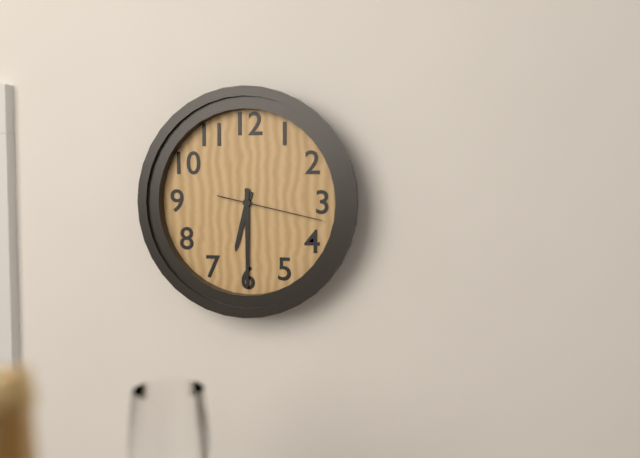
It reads {"hour": 6, "minute": 30, "second": 17}
